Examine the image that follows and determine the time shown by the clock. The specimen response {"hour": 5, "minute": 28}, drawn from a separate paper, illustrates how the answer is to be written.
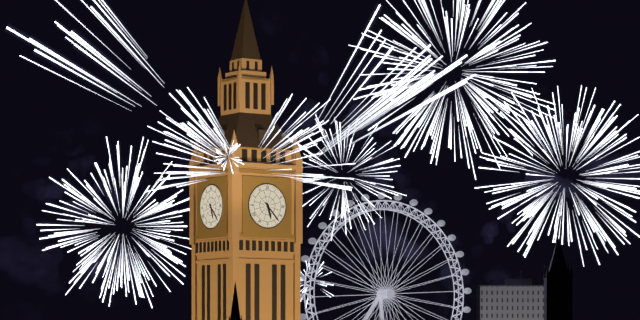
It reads {"hour": 5, "minute": 23}
